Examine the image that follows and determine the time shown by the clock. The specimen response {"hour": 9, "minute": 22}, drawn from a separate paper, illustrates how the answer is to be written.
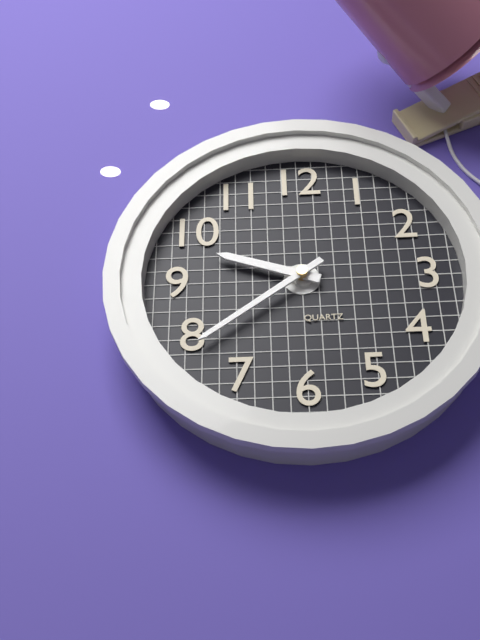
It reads {"hour": 9, "minute": 39}
